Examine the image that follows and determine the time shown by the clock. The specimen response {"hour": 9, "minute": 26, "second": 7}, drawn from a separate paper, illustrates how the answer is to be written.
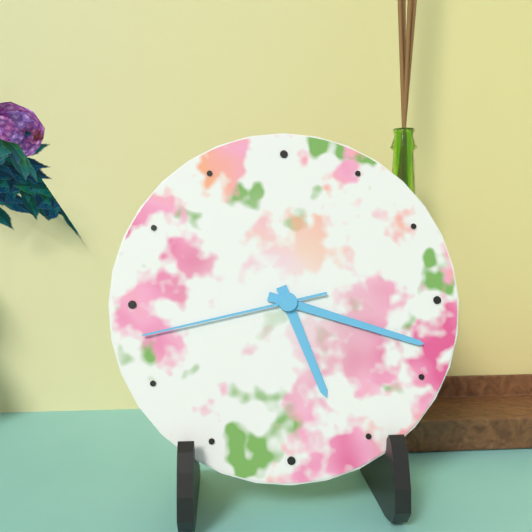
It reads {"hour": 5, "minute": 18, "second": 43}
